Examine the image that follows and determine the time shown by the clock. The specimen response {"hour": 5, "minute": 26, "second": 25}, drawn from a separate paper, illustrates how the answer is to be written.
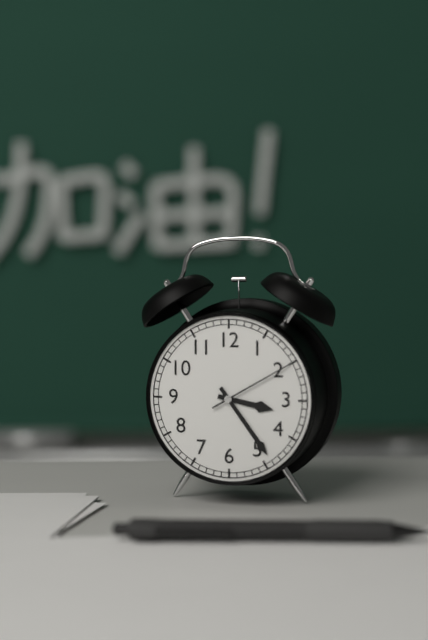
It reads {"hour": 3, "minute": 24, "second": 10}
